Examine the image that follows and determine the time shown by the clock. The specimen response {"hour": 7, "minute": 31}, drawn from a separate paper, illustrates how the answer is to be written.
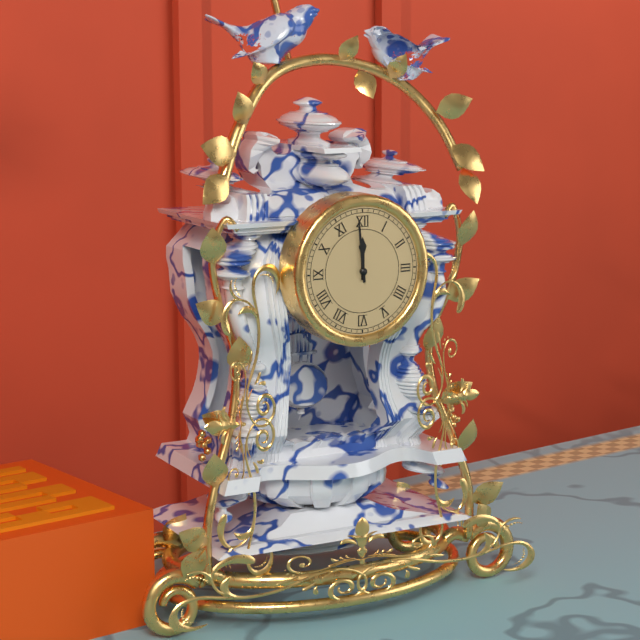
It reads {"hour": 11, "minute": 59}
